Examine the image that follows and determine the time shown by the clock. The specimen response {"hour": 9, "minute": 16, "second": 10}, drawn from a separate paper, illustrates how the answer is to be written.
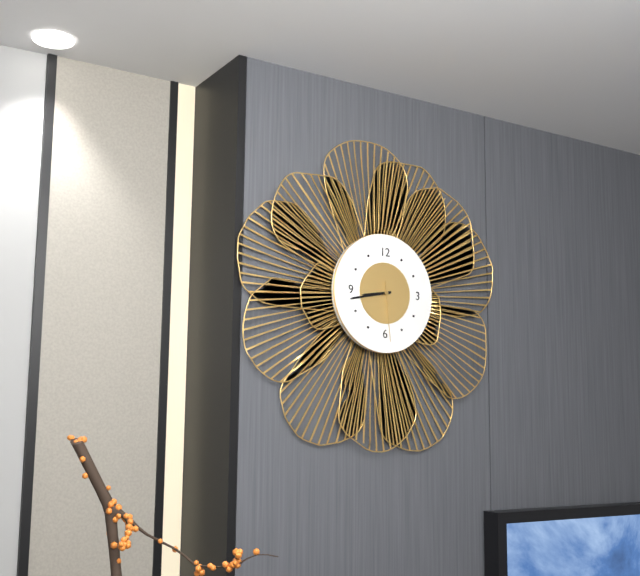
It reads {"hour": 8, "minute": 43, "second": 29}
